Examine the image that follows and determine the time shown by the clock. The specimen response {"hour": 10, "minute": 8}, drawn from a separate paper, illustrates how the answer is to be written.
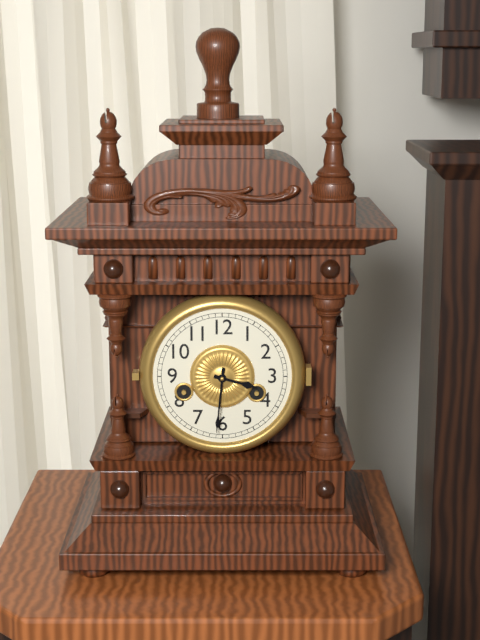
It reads {"hour": 3, "minute": 31}
